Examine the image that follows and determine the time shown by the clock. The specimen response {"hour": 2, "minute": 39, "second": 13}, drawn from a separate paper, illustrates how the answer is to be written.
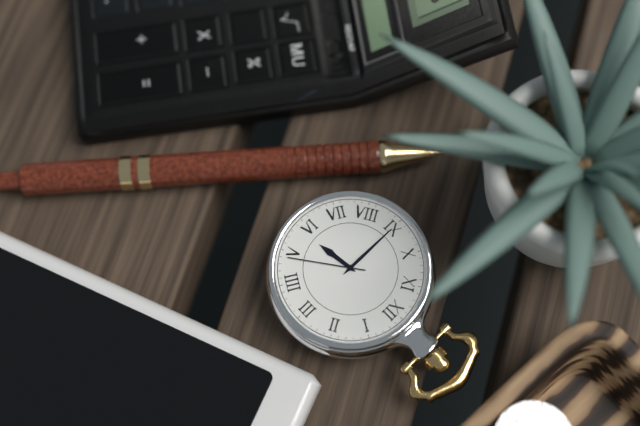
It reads {"hour": 5, "minute": 45, "second": 24}
